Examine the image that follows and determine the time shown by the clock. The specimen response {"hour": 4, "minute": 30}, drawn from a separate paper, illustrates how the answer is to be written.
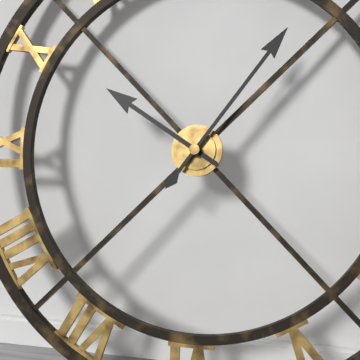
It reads {"hour": 10, "minute": 6}
